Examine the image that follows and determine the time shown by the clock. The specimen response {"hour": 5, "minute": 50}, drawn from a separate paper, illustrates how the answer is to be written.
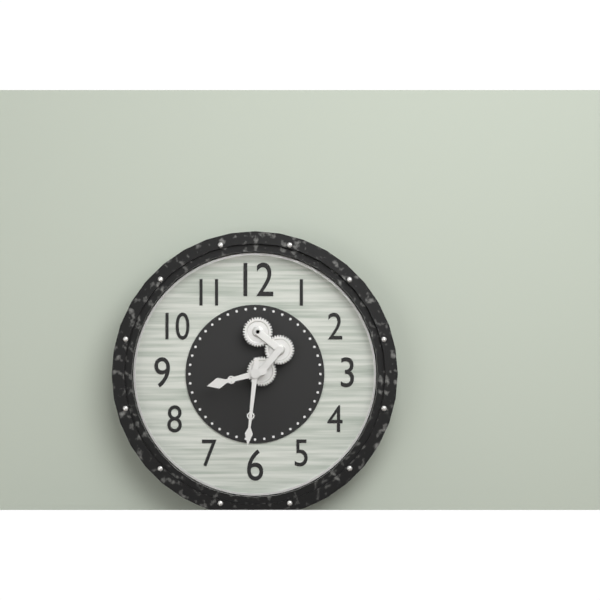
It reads {"hour": 8, "minute": 31}
